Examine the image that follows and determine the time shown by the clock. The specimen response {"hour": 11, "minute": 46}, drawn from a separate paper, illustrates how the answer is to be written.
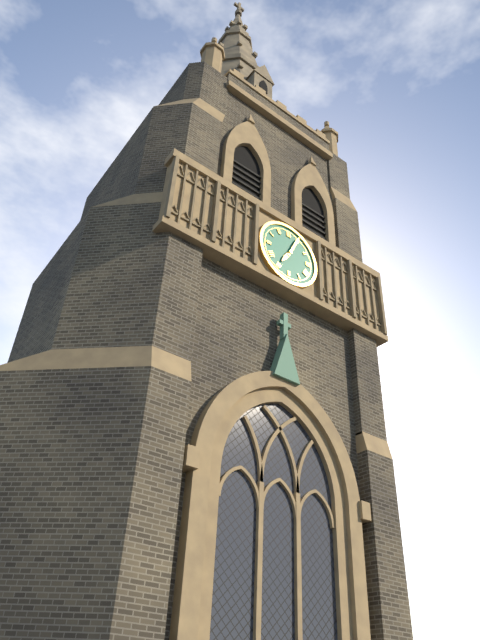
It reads {"hour": 7, "minute": 4}
